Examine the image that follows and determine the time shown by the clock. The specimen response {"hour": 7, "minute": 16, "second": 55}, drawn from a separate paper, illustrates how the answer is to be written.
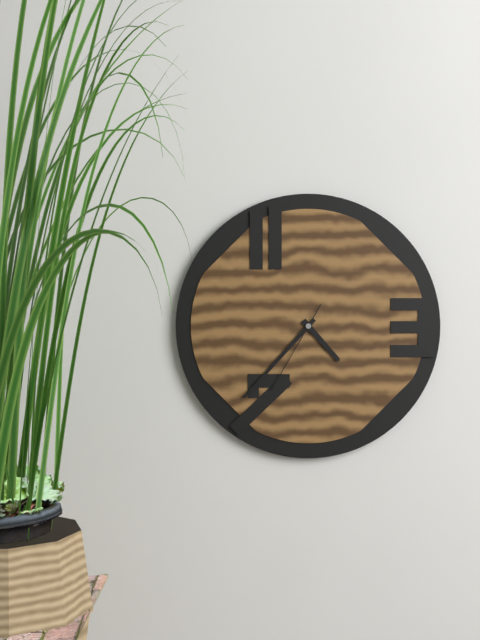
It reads {"hour": 4, "minute": 37, "second": 35}
